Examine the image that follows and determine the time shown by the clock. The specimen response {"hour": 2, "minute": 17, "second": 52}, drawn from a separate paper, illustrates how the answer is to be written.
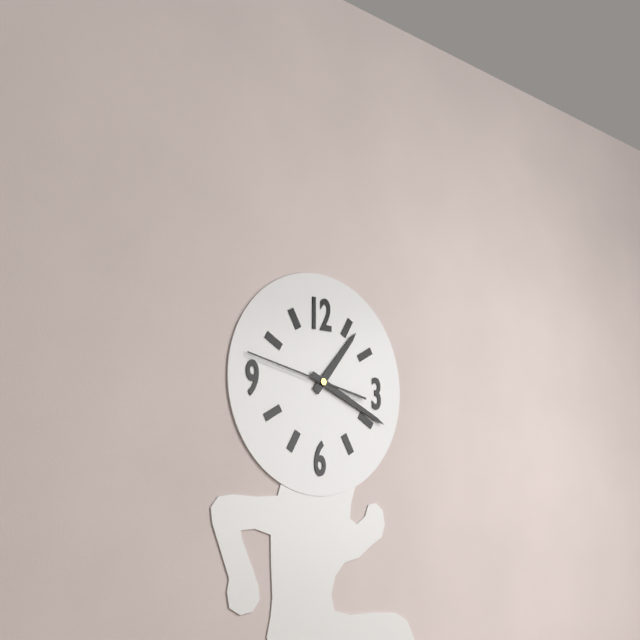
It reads {"hour": 1, "minute": 19, "second": 47}
